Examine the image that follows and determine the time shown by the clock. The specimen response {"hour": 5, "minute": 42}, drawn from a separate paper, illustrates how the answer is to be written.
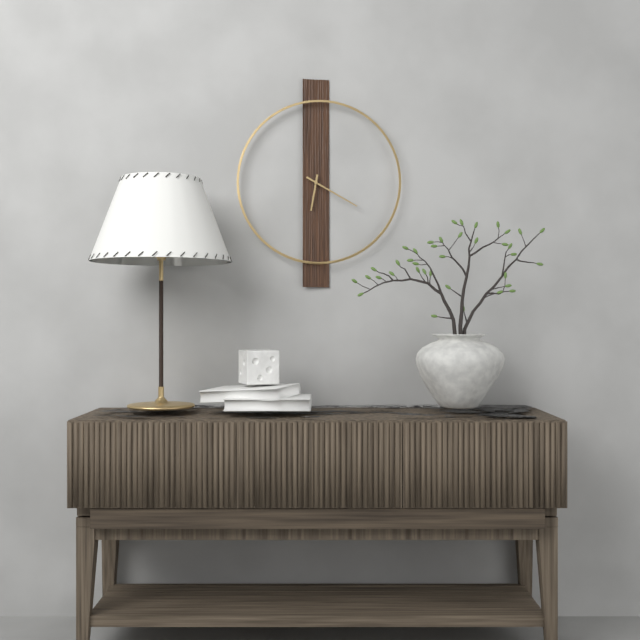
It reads {"hour": 6, "minute": 20}
